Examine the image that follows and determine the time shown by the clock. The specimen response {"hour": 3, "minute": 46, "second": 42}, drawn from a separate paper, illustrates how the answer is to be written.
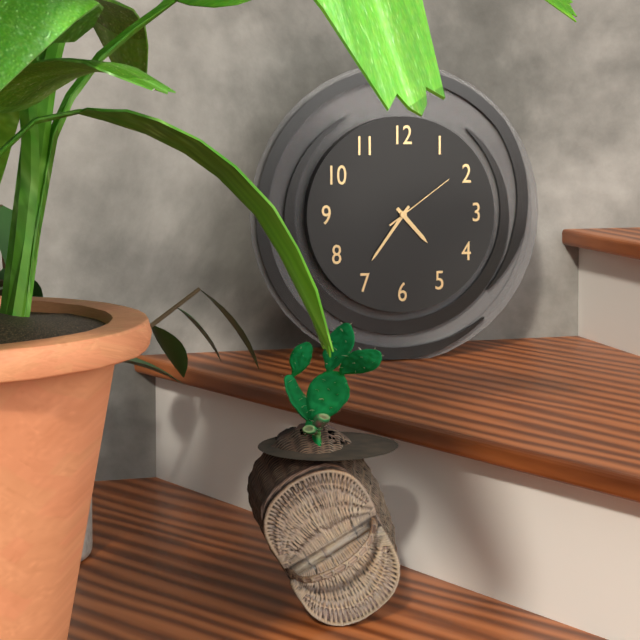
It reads {"hour": 4, "minute": 36, "second": 9}
